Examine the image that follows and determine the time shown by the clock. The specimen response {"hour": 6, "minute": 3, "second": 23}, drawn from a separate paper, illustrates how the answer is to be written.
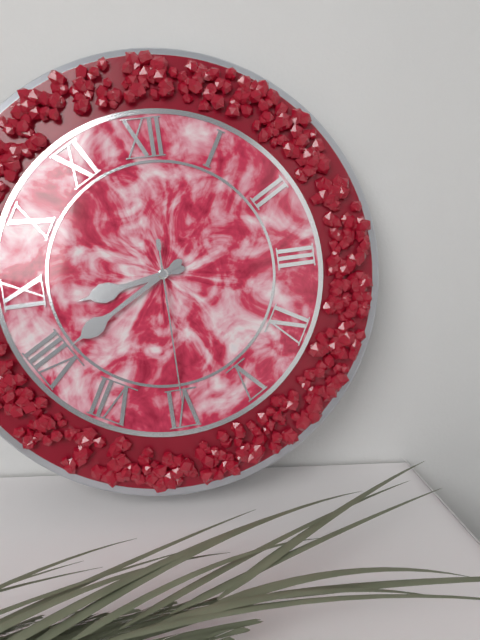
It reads {"hour": 8, "minute": 40, "second": 30}
